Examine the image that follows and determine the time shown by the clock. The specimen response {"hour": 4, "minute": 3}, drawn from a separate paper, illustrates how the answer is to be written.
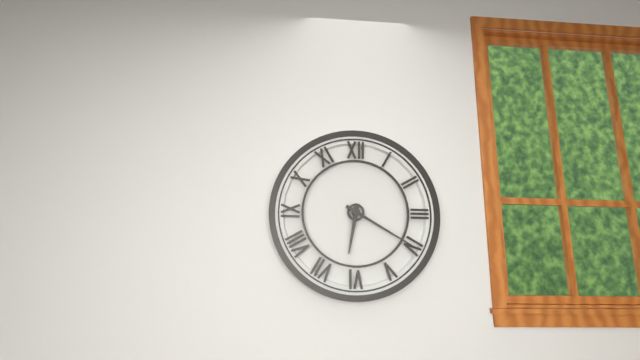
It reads {"hour": 6, "minute": 20}
